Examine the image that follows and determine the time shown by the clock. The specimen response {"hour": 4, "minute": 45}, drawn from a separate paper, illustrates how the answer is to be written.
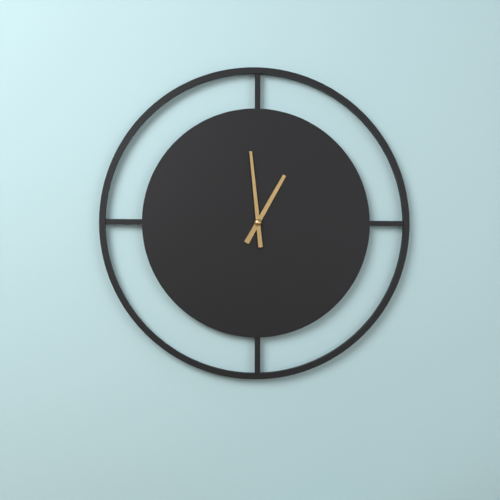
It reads {"hour": 12, "minute": 59}
